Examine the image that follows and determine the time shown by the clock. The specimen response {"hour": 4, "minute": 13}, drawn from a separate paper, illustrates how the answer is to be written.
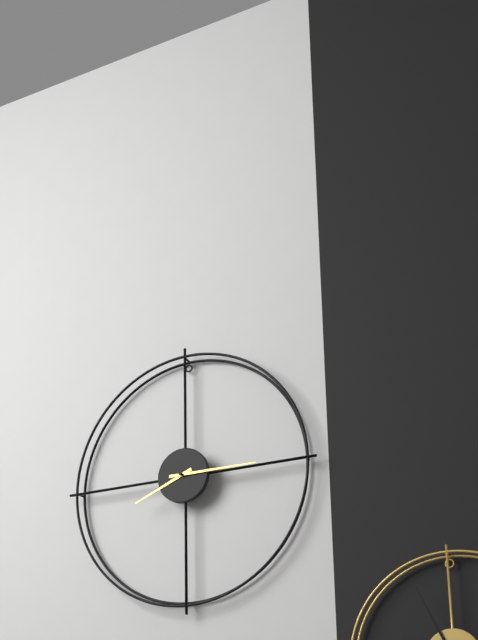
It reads {"hour": 8, "minute": 15}
